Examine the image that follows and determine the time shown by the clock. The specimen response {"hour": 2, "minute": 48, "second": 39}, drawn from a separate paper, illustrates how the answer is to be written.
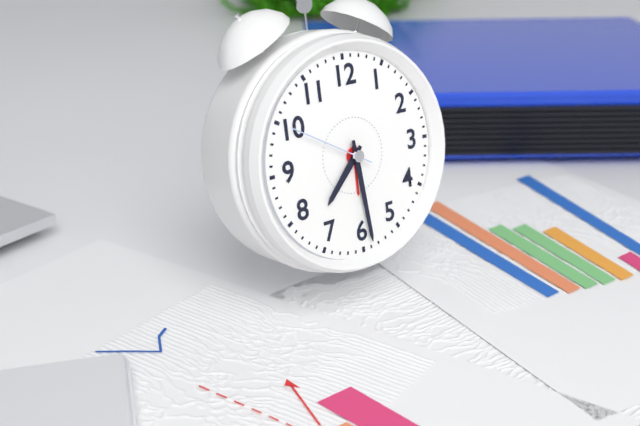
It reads {"hour": 7, "minute": 29, "second": 50}
